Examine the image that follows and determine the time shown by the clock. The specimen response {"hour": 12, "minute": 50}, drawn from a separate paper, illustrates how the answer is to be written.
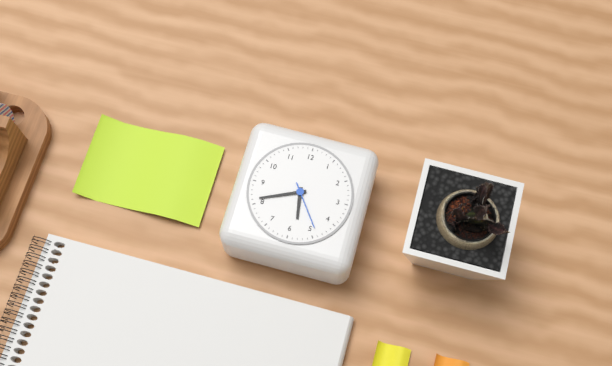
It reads {"hour": 5, "minute": 41}
